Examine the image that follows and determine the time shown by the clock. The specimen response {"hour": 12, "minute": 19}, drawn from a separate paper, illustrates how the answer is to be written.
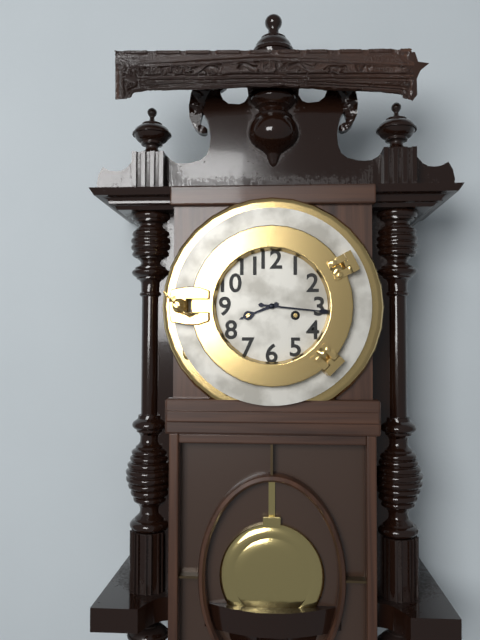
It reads {"hour": 8, "minute": 16}
